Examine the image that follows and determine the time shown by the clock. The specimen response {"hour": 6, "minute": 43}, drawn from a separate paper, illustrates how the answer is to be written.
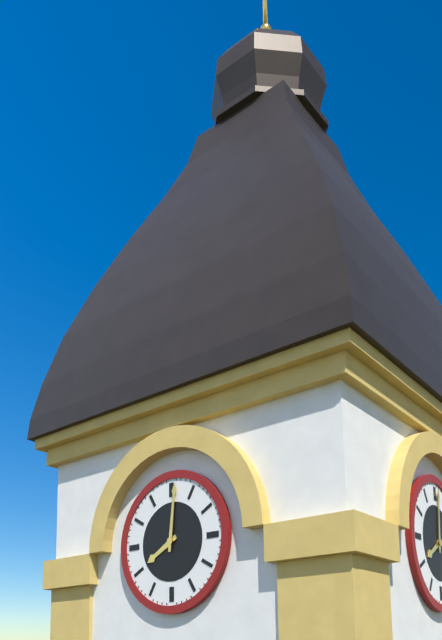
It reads {"hour": 8, "minute": 1}
